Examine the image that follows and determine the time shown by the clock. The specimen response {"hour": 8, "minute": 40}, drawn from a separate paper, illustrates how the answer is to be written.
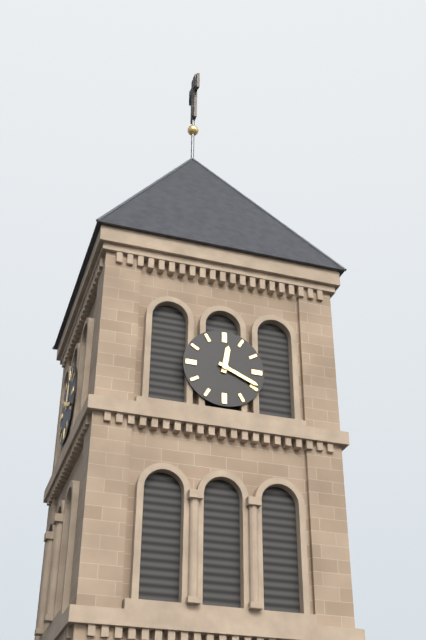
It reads {"hour": 12, "minute": 19}
